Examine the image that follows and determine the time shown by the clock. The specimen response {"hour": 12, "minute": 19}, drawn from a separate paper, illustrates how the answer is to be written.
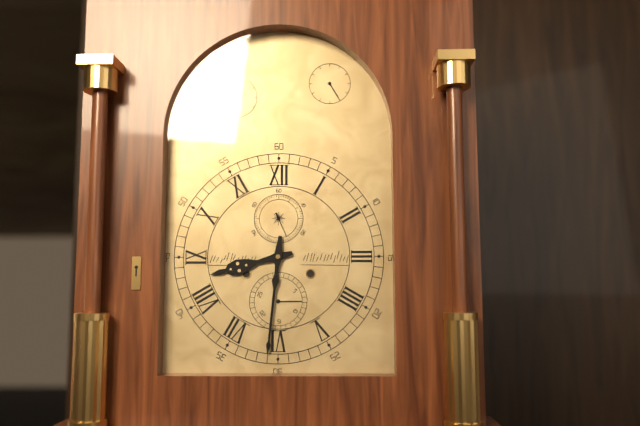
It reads {"hour": 8, "minute": 31}
